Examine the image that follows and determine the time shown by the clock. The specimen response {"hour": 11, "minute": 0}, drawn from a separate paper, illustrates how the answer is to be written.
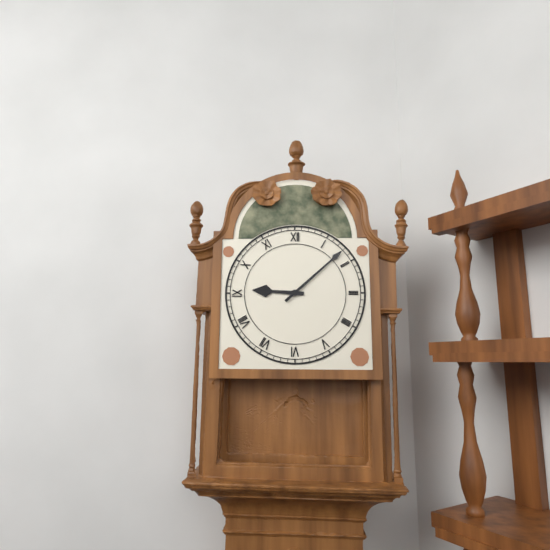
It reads {"hour": 9, "minute": 8}
